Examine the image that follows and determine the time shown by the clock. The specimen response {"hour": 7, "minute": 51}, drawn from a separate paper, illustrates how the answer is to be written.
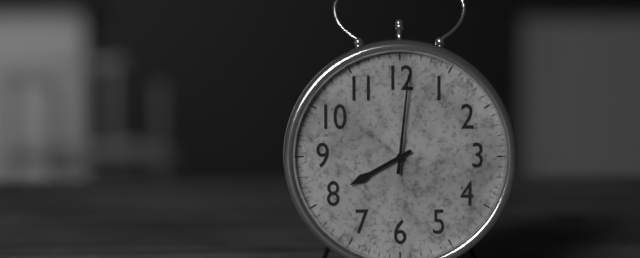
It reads {"hour": 8, "minute": 1}
